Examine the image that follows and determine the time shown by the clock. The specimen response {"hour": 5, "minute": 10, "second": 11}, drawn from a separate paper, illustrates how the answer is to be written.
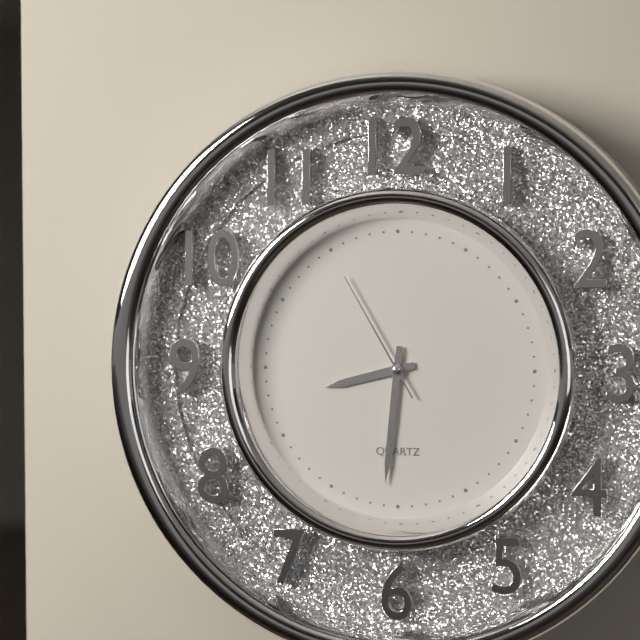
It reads {"hour": 8, "minute": 31, "second": 55}
